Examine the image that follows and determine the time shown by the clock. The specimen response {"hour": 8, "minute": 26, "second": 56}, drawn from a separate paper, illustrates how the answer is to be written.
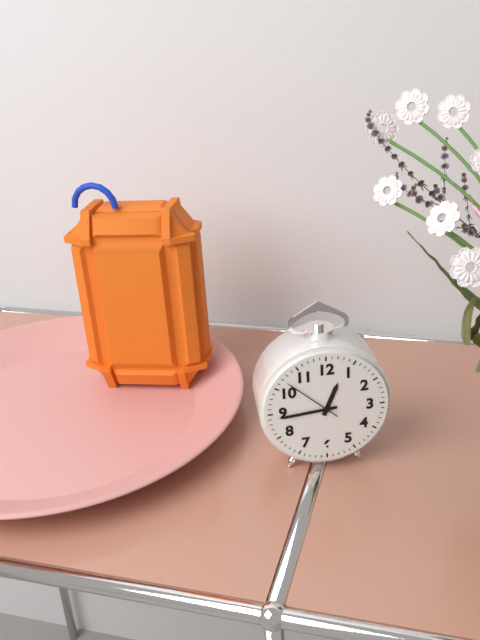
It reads {"hour": 12, "minute": 44, "second": 52}
